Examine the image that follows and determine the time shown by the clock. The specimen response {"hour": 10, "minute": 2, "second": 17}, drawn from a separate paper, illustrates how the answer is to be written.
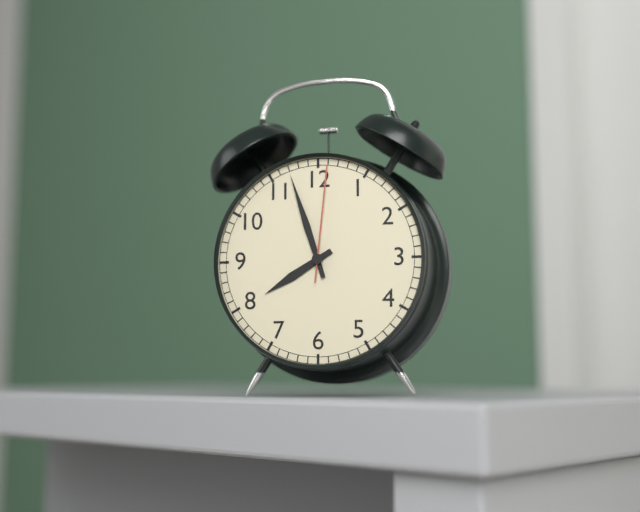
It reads {"hour": 7, "minute": 57, "second": 1}
